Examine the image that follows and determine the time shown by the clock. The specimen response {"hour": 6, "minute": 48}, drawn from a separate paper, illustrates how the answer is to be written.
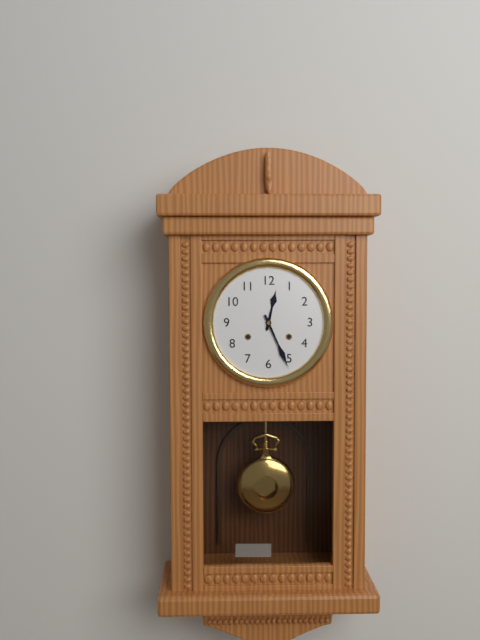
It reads {"hour": 12, "minute": 26}
